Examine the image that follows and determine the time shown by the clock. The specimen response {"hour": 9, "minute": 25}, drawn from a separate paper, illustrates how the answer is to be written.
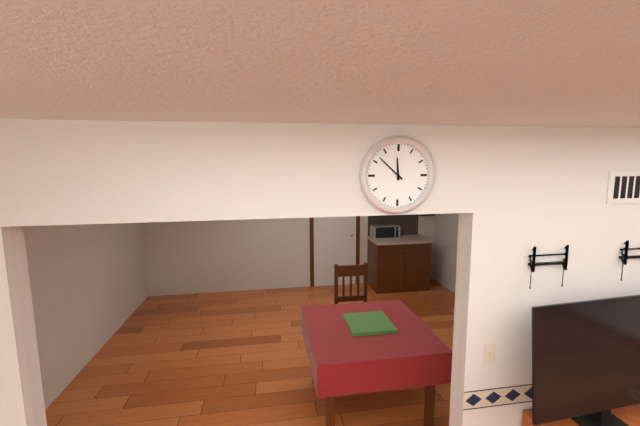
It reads {"hour": 11, "minute": 52}
